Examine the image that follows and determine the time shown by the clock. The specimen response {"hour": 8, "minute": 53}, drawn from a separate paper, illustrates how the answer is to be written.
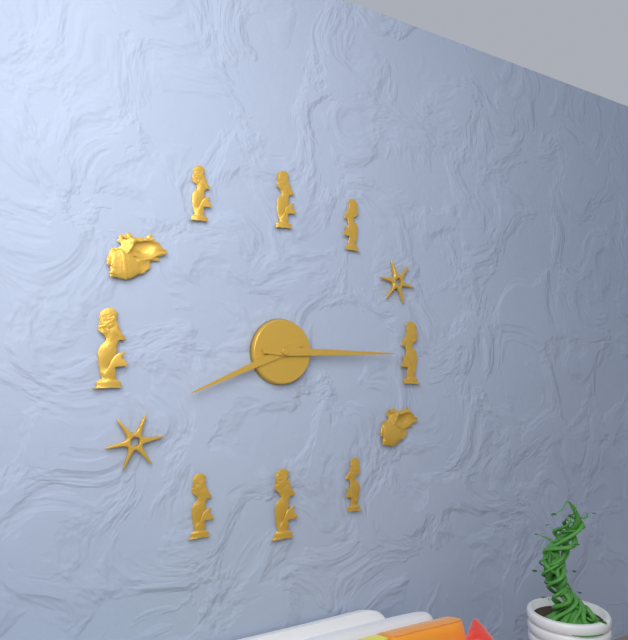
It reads {"hour": 8, "minute": 15}
